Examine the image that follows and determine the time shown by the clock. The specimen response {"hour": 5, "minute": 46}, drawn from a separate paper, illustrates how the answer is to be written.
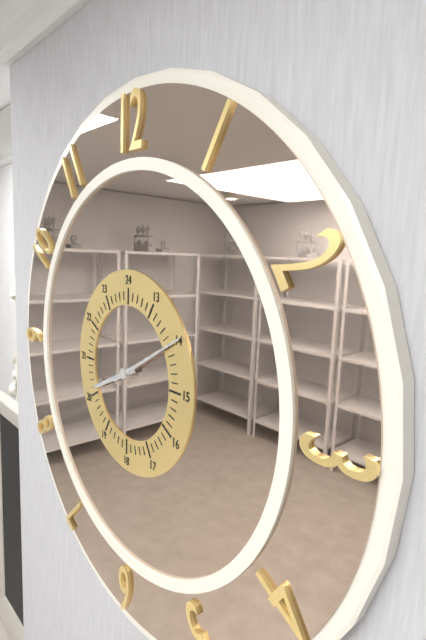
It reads {"hour": 8, "minute": 10}
